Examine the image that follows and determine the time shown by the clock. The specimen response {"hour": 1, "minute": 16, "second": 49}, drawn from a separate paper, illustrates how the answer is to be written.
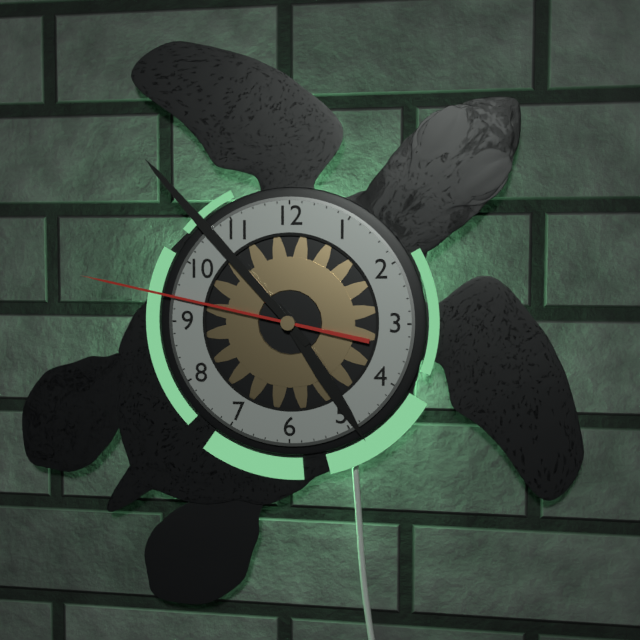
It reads {"hour": 4, "minute": 53, "second": 47}
